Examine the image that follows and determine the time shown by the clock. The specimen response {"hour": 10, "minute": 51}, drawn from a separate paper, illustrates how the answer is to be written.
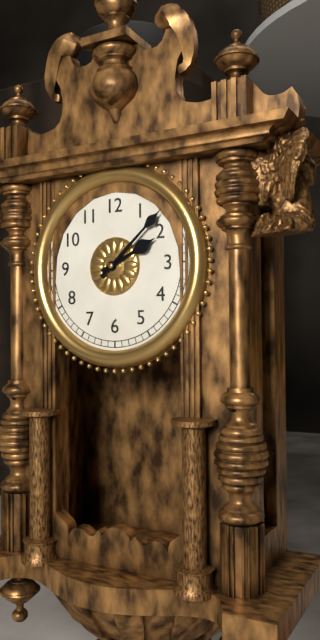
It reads {"hour": 2, "minute": 8}
